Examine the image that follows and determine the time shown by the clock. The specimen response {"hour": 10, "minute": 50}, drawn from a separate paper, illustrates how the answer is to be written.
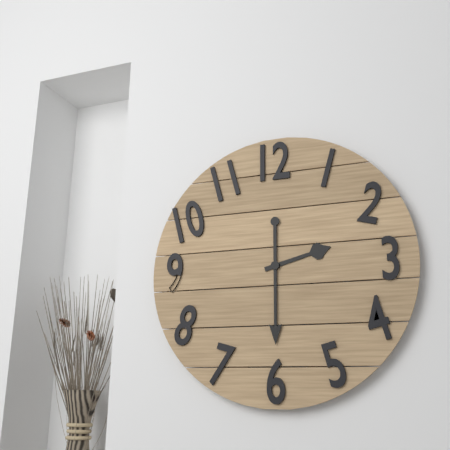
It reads {"hour": 2, "minute": 30}
